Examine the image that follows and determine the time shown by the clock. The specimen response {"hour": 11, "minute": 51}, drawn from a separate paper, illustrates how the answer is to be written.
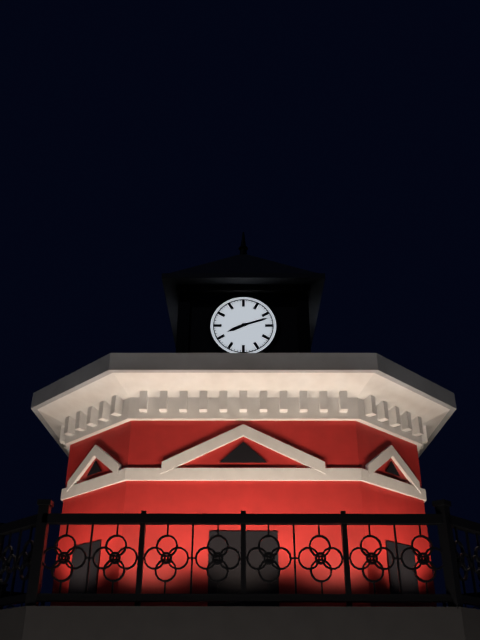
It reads {"hour": 8, "minute": 12}
